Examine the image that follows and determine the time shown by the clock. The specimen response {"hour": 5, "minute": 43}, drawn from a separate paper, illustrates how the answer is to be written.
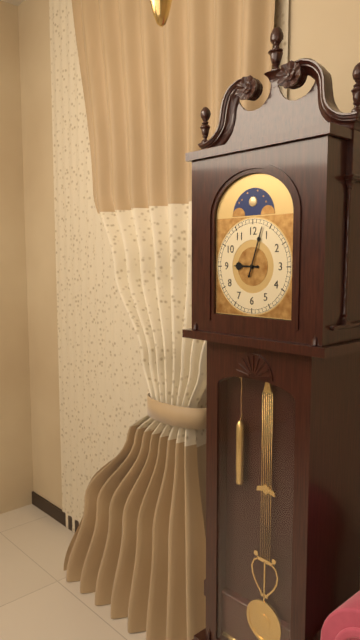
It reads {"hour": 9, "minute": 3}
